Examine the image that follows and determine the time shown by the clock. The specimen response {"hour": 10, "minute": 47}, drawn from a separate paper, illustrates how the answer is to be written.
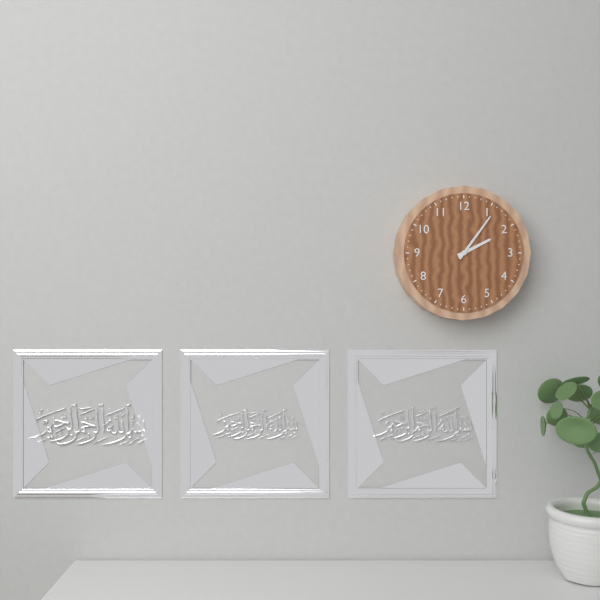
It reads {"hour": 2, "minute": 6}
